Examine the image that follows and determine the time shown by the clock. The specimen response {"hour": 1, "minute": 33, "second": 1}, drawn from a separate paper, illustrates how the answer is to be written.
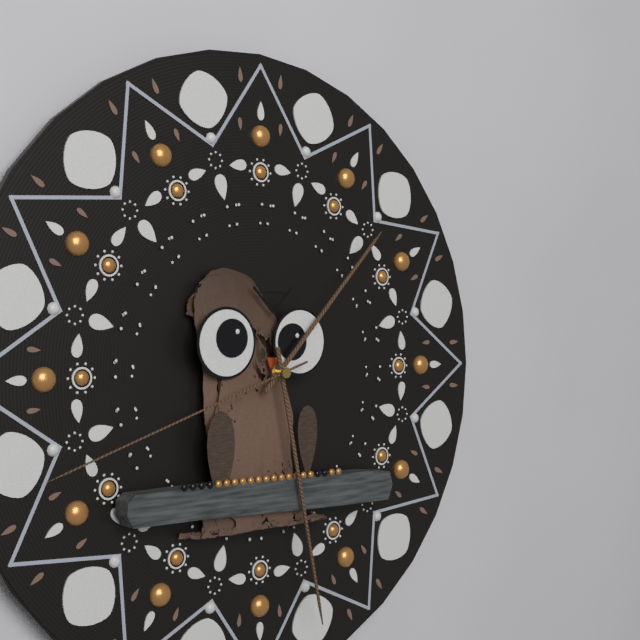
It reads {"hour": 1, "minute": 28, "second": 42}
